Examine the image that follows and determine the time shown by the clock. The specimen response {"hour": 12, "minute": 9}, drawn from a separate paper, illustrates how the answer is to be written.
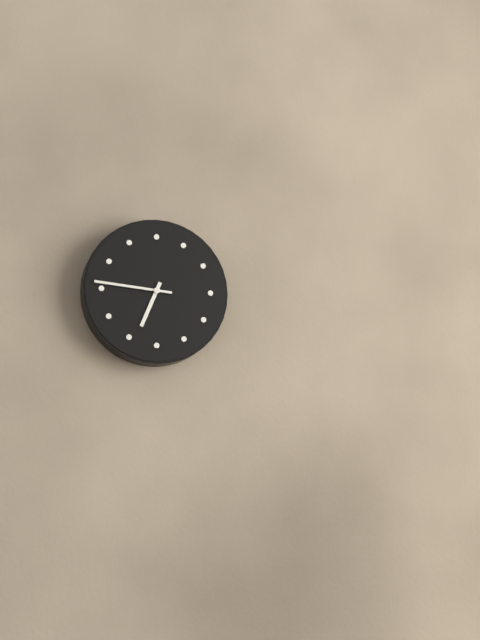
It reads {"hour": 6, "minute": 46}
